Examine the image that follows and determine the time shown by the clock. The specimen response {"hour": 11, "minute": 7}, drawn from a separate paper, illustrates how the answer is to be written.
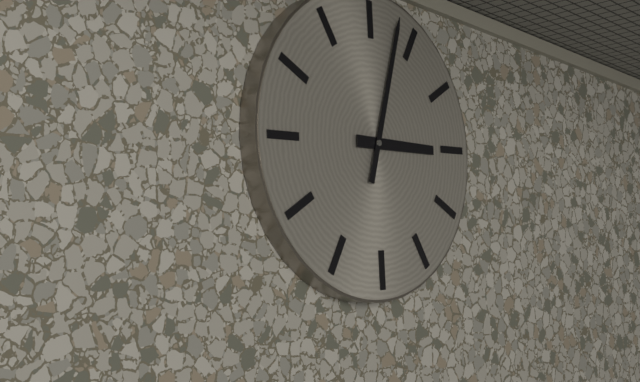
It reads {"hour": 3, "minute": 3}
